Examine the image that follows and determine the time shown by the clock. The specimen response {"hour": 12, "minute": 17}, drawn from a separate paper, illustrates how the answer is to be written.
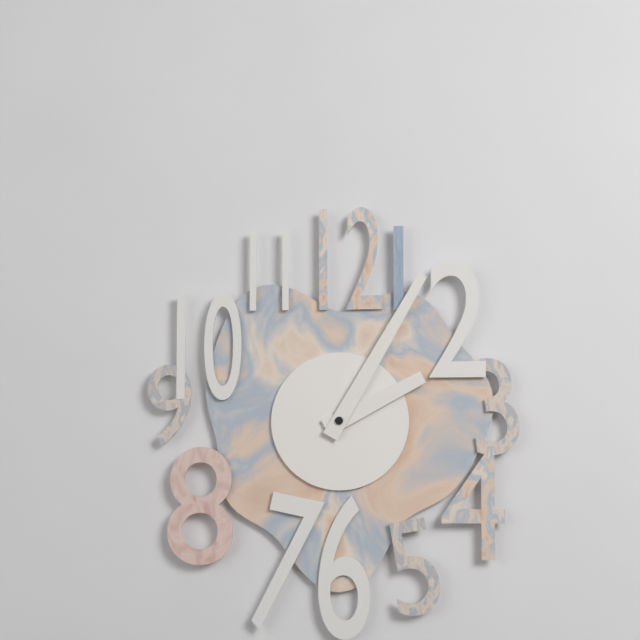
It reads {"hour": 2, "minute": 5}
